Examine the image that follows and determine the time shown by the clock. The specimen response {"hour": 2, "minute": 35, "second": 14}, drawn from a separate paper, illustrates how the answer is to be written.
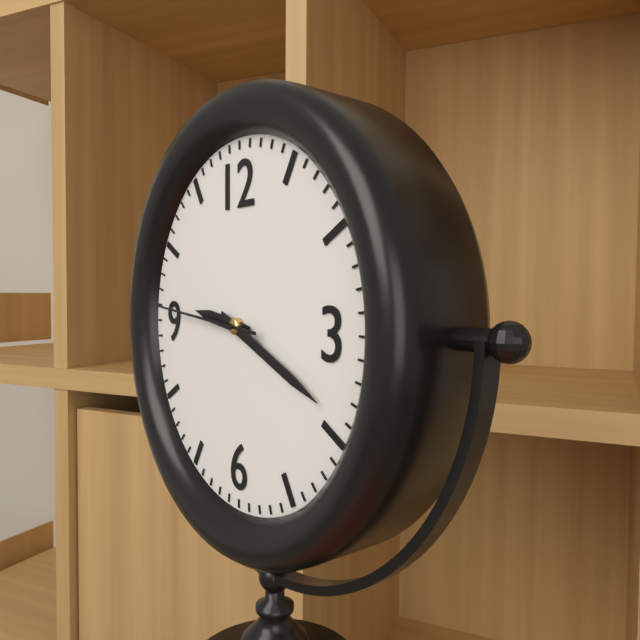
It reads {"hour": 9, "minute": 19, "second": 46}
